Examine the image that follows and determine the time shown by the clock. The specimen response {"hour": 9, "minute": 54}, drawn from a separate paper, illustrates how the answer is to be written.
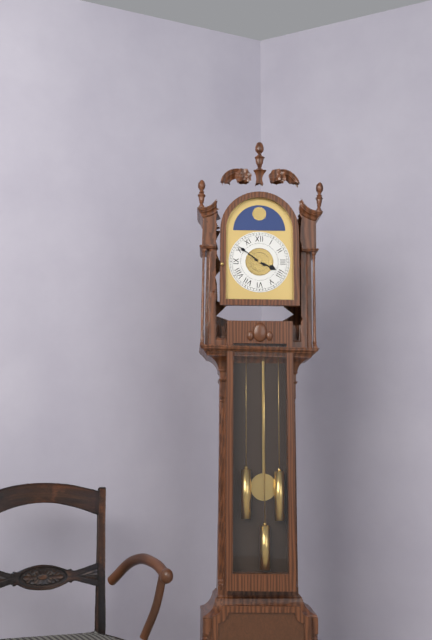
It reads {"hour": 3, "minute": 51}
